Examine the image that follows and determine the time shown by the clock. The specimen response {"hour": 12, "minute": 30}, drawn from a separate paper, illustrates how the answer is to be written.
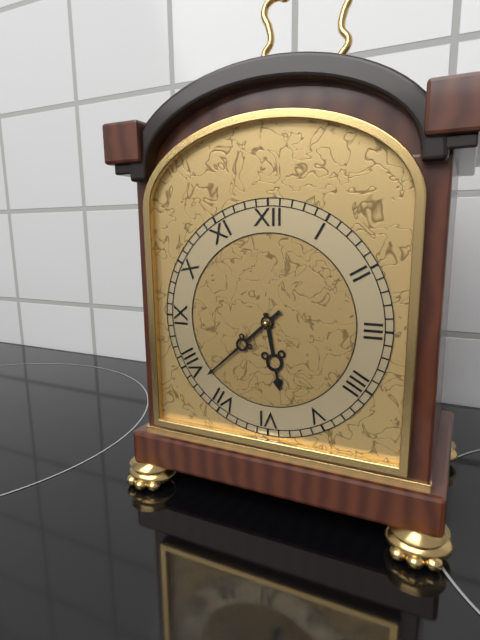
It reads {"hour": 5, "minute": 38}
